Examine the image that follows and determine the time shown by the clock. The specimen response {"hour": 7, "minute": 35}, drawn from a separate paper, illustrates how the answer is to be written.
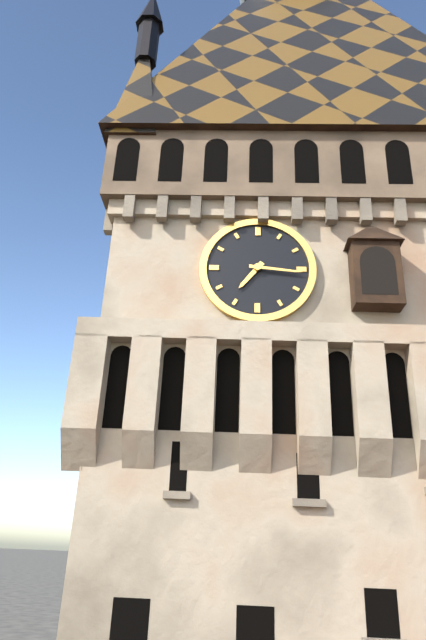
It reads {"hour": 7, "minute": 16}
